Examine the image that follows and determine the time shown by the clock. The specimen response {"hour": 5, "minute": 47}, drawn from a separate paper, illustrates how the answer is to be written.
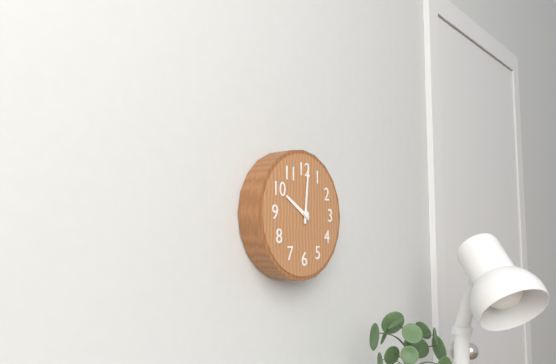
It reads {"hour": 10, "minute": 1}
